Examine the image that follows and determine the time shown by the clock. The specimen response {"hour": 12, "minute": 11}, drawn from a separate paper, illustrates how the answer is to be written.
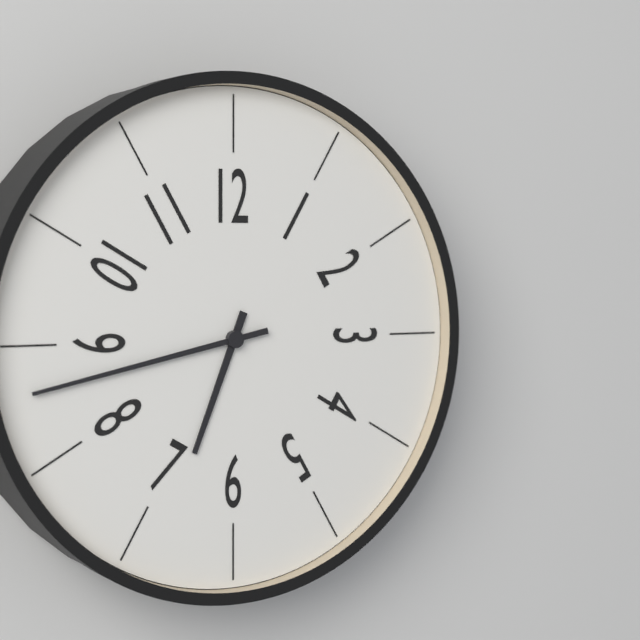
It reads {"hour": 6, "minute": 43}
